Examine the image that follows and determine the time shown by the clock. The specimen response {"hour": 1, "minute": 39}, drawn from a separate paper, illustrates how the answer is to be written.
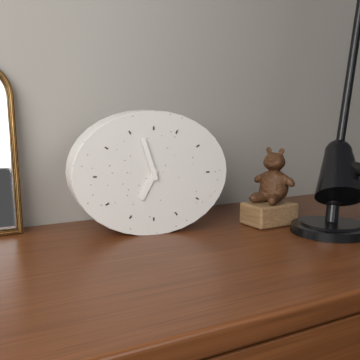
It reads {"hour": 6, "minute": 57}
